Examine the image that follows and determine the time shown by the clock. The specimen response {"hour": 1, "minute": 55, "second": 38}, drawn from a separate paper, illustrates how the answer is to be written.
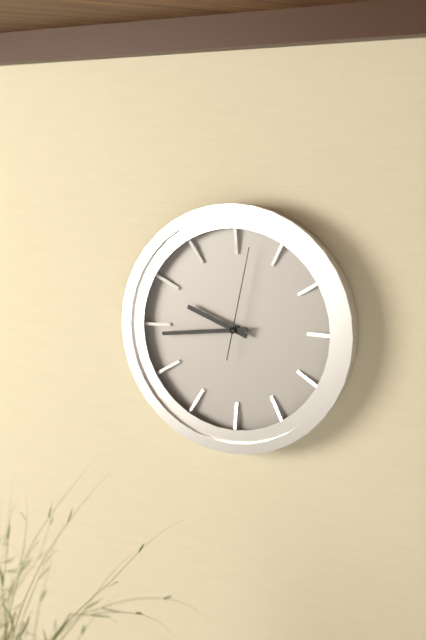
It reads {"hour": 9, "minute": 44, "second": 2}
